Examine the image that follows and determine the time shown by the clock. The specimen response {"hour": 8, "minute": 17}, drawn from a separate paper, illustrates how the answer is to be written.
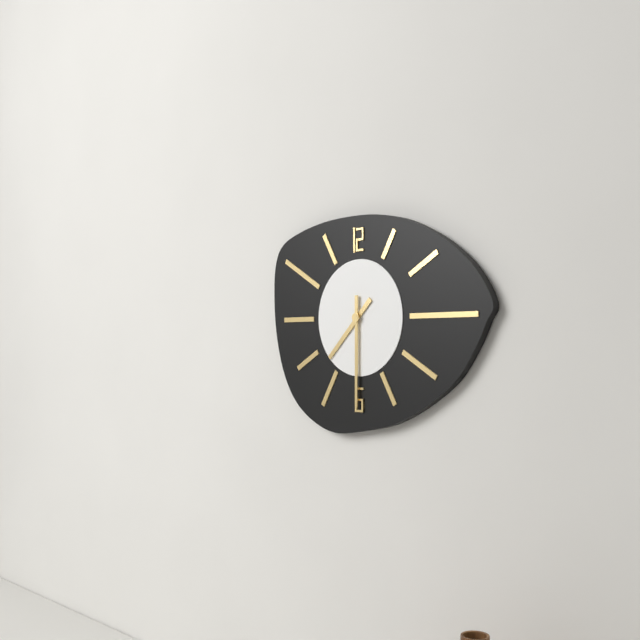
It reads {"hour": 7, "minute": 30}
